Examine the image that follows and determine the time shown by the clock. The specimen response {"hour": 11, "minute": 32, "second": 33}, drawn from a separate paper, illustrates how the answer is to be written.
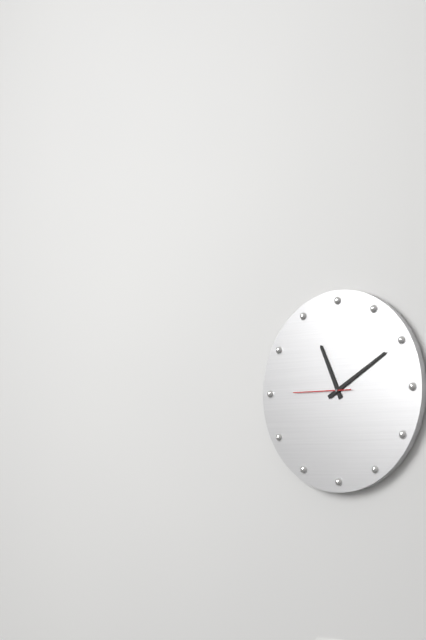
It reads {"hour": 11, "minute": 10, "second": 45}
